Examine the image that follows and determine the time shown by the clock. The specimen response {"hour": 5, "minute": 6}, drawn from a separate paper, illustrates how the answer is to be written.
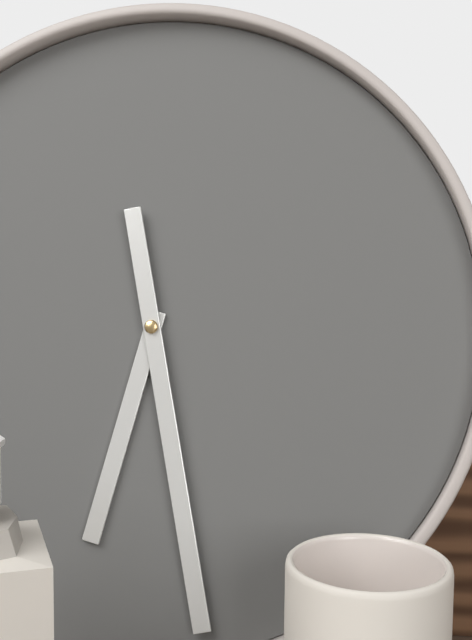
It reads {"hour": 6, "minute": 28}
